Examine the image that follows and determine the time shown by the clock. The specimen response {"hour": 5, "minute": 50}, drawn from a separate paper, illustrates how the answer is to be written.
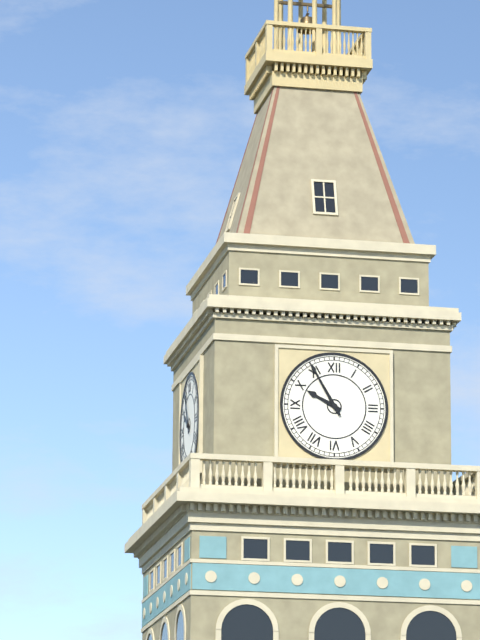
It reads {"hour": 9, "minute": 55}
